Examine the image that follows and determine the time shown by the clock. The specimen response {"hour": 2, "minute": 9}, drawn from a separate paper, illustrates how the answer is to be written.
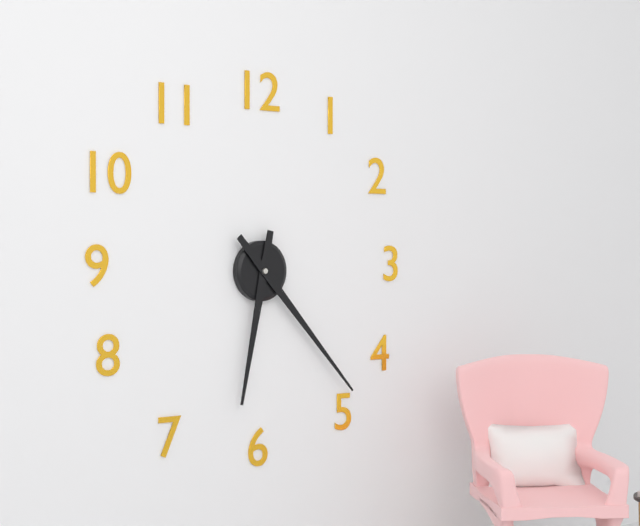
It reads {"hour": 6, "minute": 23}
